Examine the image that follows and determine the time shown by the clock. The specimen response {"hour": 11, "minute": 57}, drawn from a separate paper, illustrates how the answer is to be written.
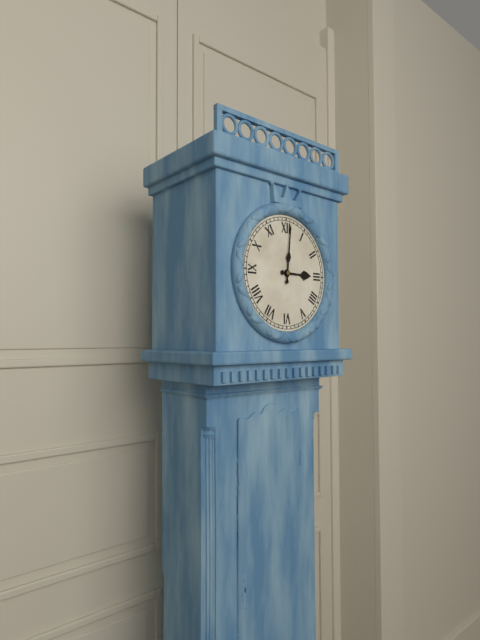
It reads {"hour": 3, "minute": 1}
